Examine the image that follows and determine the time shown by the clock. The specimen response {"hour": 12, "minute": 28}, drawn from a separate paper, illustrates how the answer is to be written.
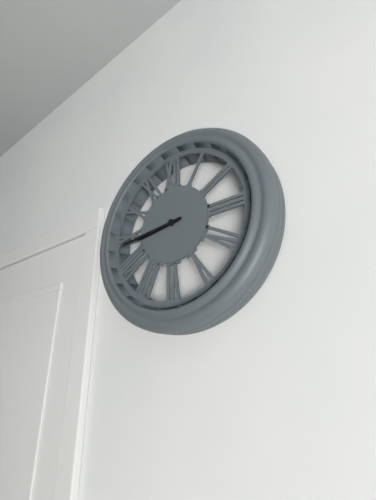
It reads {"hour": 8, "minute": 44}
